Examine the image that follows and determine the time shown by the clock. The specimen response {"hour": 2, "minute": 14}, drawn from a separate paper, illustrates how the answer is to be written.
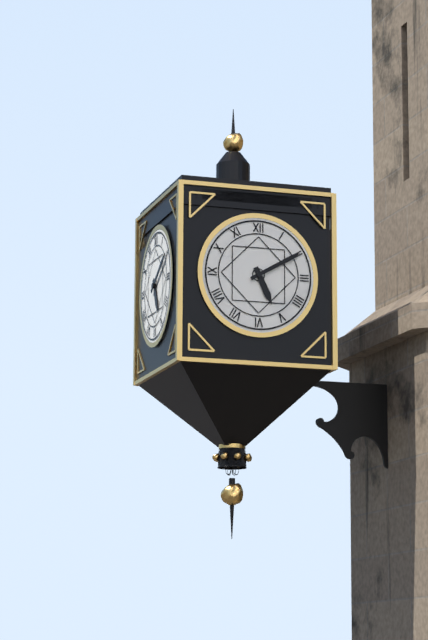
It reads {"hour": 5, "minute": 10}
